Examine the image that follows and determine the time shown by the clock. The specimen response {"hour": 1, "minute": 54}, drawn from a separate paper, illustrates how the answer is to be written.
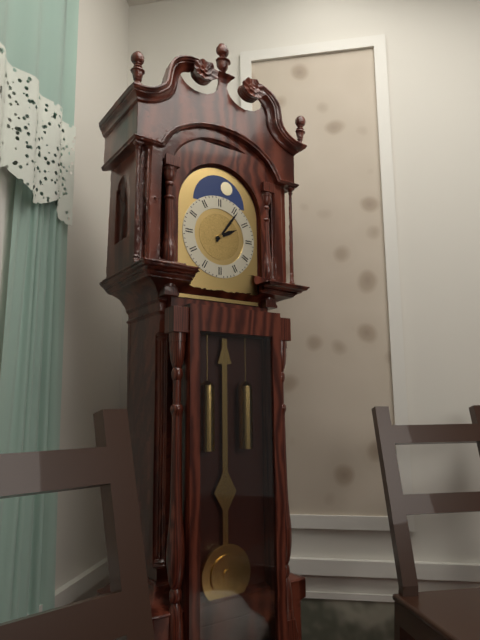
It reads {"hour": 2, "minute": 6}
